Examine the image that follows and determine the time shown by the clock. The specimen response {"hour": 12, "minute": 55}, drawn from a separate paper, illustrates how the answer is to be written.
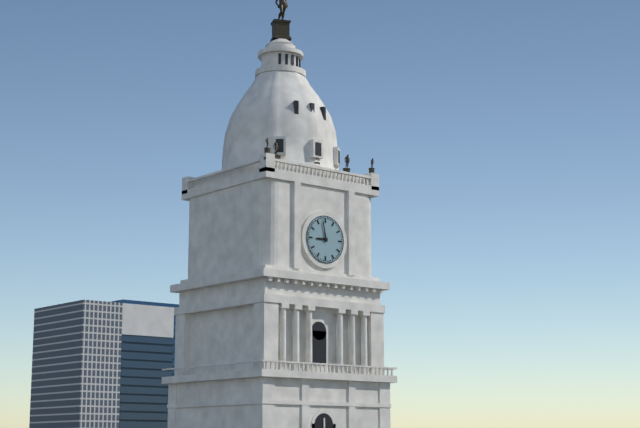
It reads {"hour": 8, "minute": 58}
